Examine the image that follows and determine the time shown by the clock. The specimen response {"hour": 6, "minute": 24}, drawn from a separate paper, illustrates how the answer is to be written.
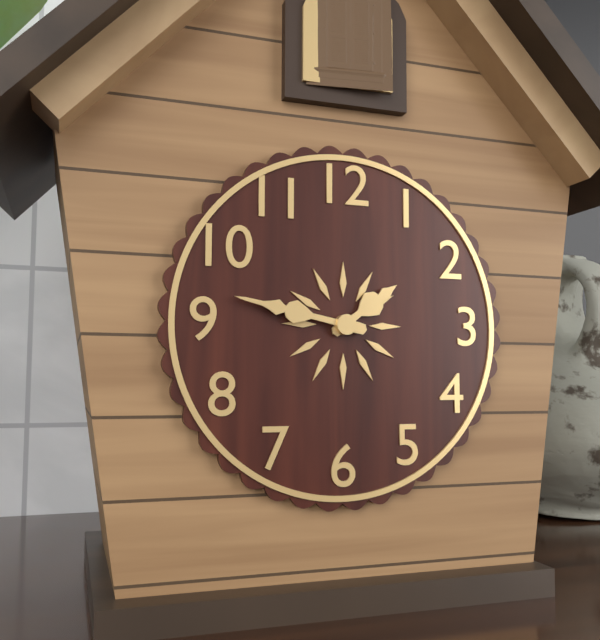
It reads {"hour": 1, "minute": 47}
